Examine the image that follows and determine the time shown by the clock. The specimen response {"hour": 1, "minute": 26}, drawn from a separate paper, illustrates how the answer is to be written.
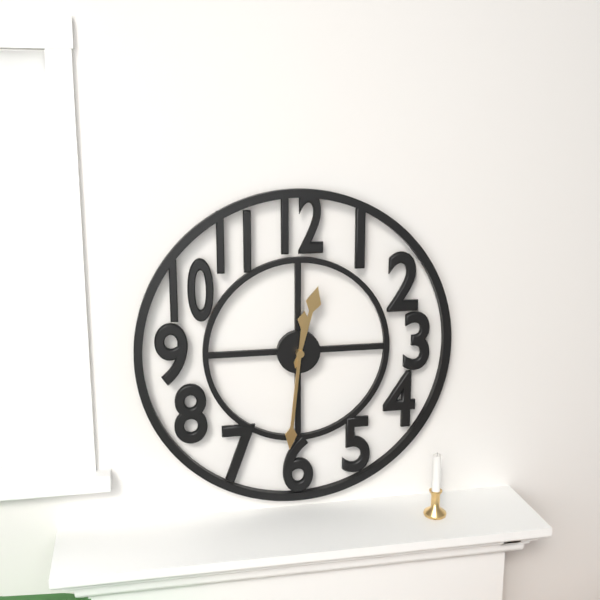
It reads {"hour": 12, "minute": 31}
